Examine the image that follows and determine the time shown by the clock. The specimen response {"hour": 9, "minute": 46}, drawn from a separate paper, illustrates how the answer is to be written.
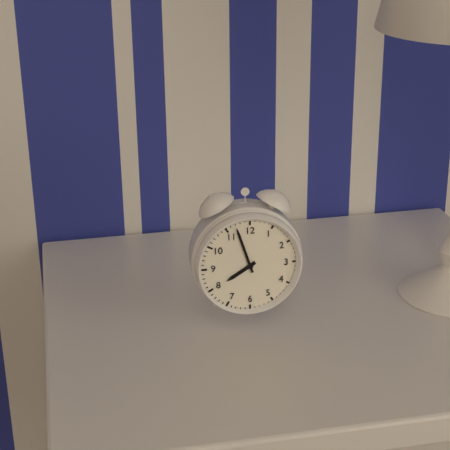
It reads {"hour": 7, "minute": 57}
